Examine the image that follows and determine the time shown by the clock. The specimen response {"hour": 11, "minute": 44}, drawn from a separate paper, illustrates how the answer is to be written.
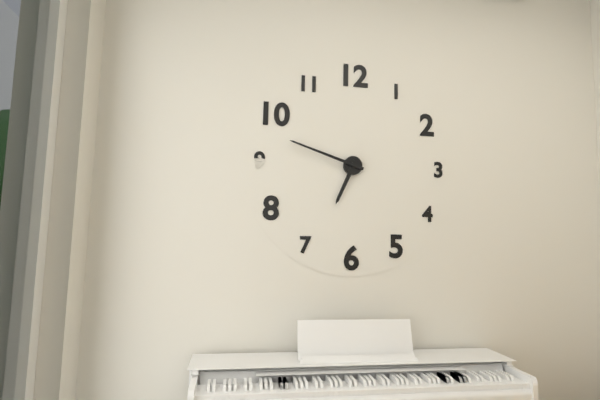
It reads {"hour": 6, "minute": 48}
